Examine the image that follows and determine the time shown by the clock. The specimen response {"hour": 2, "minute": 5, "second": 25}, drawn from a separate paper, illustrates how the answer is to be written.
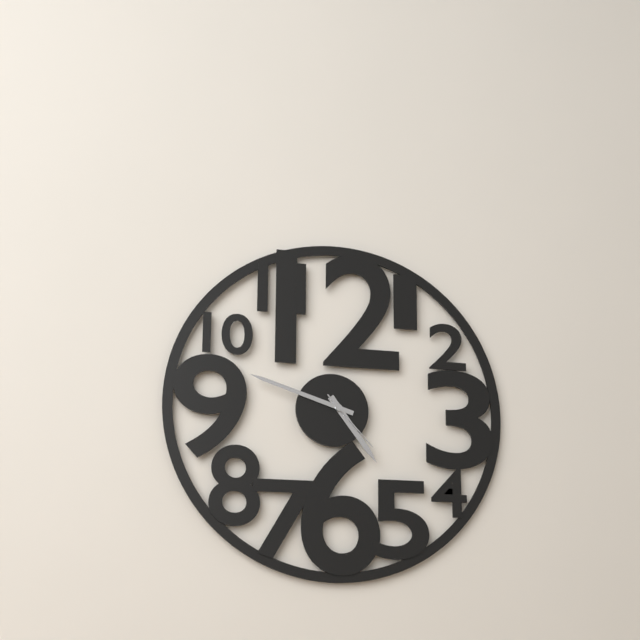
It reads {"hour": 4, "minute": 48, "second": 23}
